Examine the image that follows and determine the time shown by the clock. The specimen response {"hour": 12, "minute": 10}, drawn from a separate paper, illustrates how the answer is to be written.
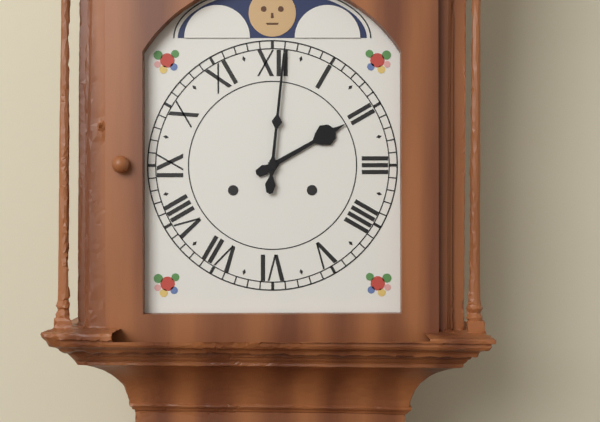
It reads {"hour": 2, "minute": 1}
